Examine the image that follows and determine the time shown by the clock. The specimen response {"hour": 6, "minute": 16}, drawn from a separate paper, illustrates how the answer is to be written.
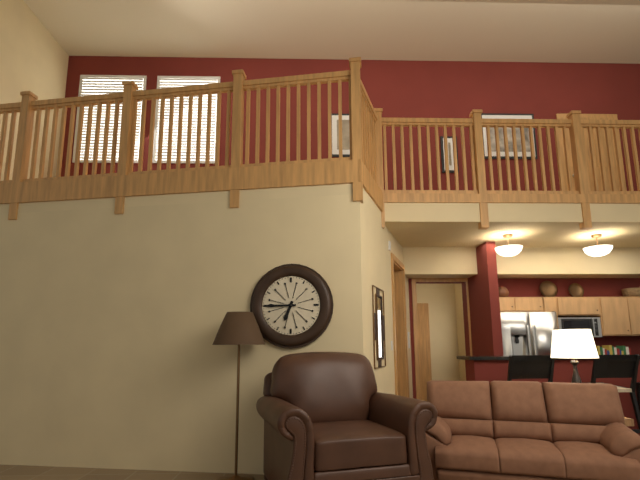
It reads {"hour": 6, "minute": 45}
